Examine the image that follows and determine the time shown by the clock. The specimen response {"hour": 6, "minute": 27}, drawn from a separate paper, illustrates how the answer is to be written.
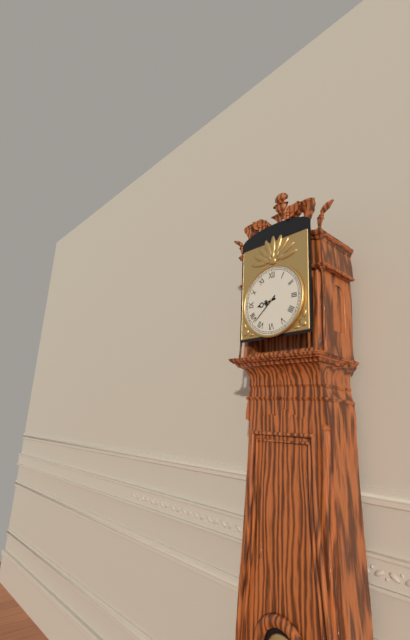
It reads {"hour": 8, "minute": 38}
